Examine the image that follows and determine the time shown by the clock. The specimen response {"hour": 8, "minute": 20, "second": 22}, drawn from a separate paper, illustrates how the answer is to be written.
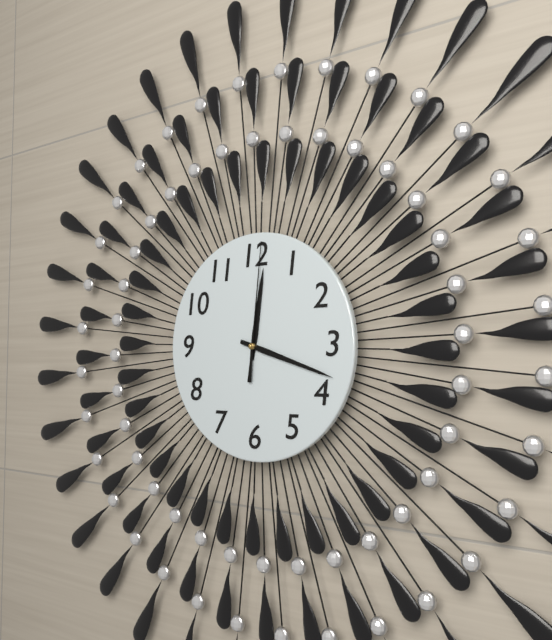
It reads {"hour": 12, "minute": 18, "second": 1}
